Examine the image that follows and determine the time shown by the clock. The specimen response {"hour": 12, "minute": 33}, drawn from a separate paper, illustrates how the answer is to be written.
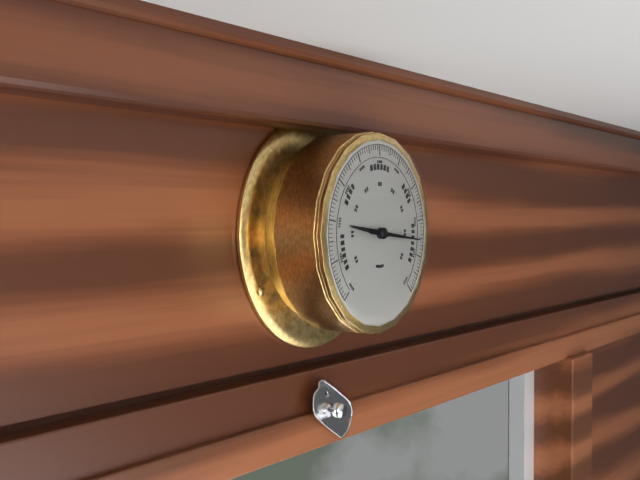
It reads {"hour": 9, "minute": 16}
